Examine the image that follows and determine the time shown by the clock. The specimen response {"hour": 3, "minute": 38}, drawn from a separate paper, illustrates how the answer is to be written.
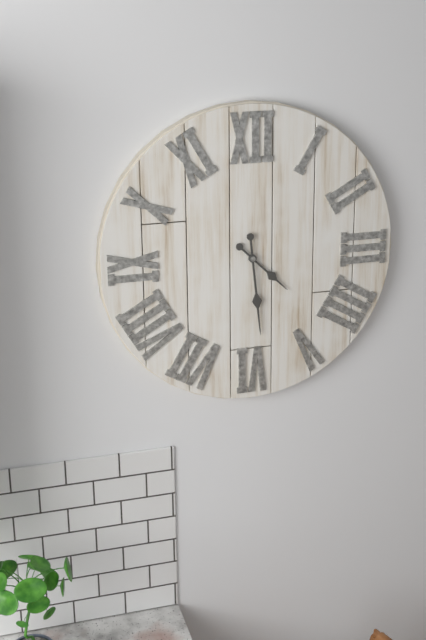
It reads {"hour": 4, "minute": 29}
